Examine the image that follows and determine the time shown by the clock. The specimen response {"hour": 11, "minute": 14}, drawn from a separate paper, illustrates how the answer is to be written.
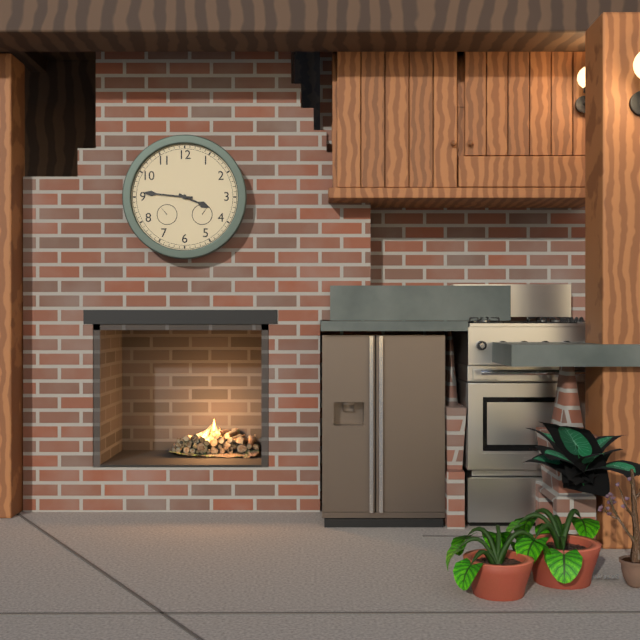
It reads {"hour": 3, "minute": 46}
